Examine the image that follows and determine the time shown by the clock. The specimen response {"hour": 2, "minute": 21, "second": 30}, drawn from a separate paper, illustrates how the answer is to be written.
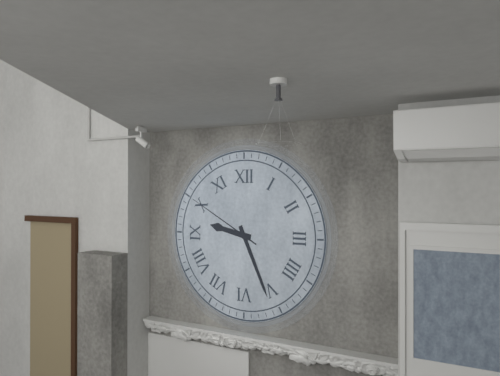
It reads {"hour": 9, "minute": 26, "second": 50}
